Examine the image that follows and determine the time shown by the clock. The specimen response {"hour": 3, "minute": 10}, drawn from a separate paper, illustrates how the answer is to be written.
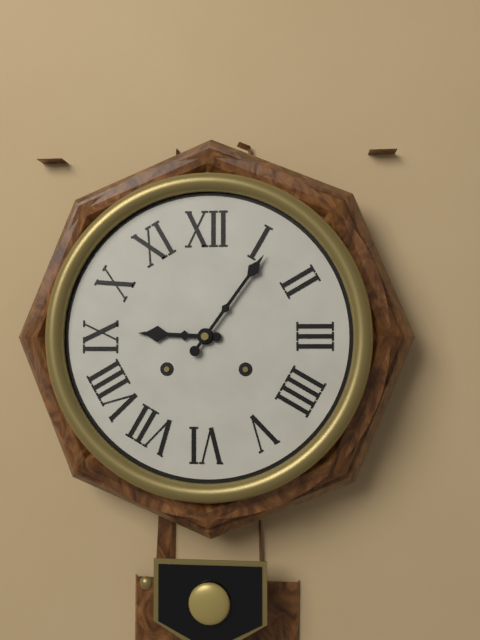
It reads {"hour": 9, "minute": 6}
